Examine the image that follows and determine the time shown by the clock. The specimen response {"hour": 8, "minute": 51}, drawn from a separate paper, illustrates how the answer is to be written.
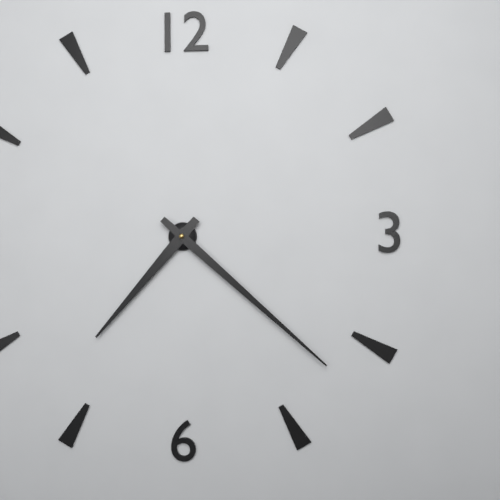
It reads {"hour": 7, "minute": 22}
